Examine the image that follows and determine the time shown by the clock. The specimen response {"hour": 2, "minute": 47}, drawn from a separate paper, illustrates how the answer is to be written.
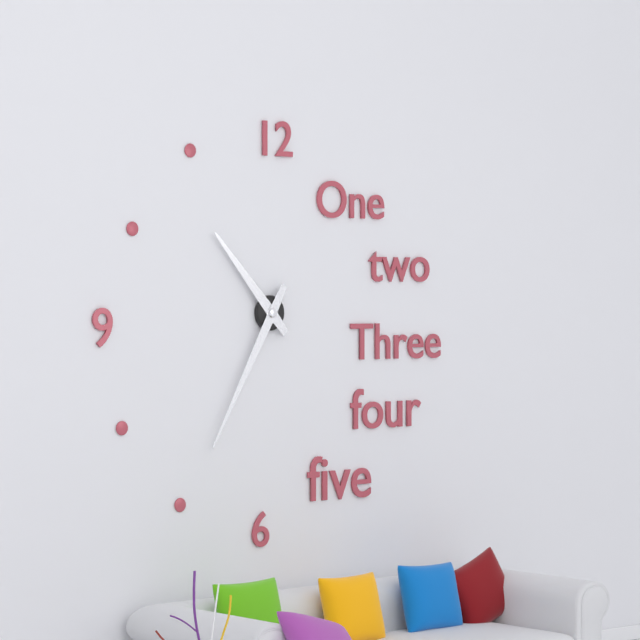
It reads {"hour": 10, "minute": 35}
